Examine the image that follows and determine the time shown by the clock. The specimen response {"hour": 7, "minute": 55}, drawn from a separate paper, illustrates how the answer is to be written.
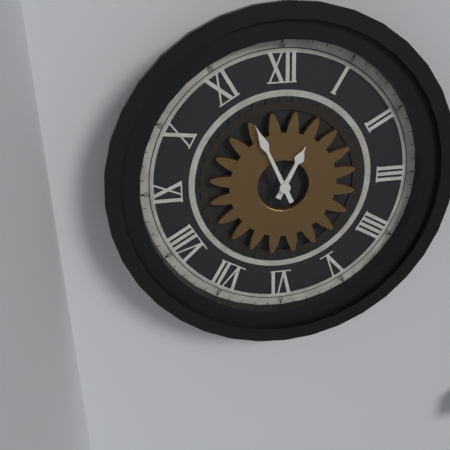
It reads {"hour": 12, "minute": 56}
